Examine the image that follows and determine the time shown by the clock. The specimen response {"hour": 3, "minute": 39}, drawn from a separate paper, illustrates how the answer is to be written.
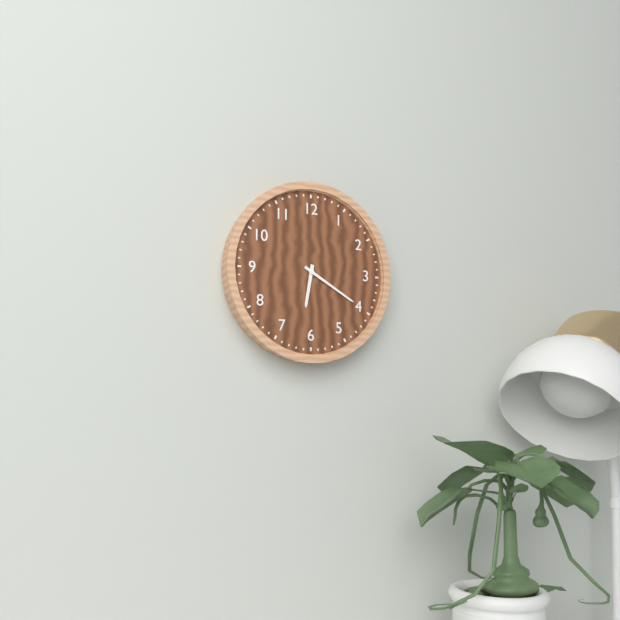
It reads {"hour": 6, "minute": 20}
